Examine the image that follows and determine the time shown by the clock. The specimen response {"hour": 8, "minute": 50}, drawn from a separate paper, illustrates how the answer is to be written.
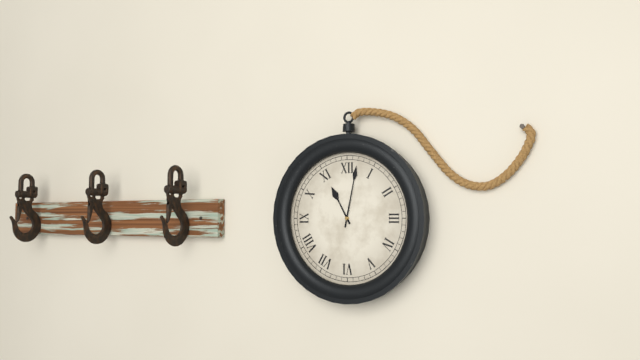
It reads {"hour": 11, "minute": 2}
